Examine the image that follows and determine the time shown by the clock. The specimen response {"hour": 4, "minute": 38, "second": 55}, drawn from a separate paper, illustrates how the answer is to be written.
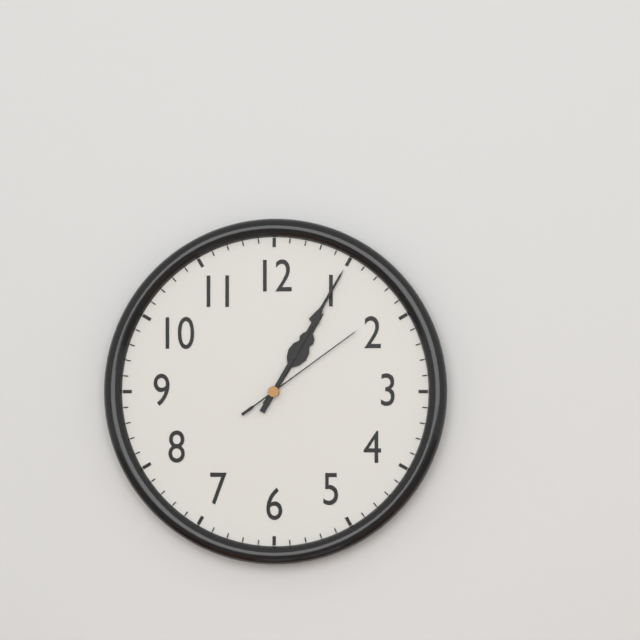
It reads {"hour": 1, "minute": 5, "second": 9}
